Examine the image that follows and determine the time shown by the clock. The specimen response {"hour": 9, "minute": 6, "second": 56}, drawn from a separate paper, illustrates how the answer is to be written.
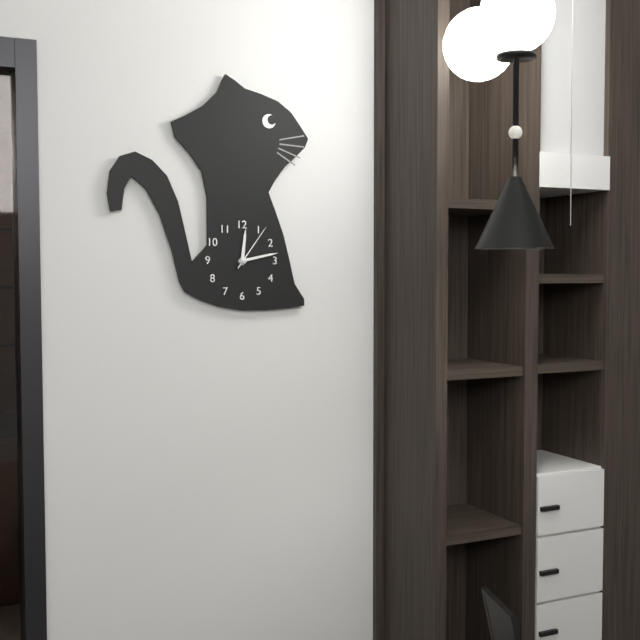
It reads {"hour": 12, "minute": 13, "second": 6}
